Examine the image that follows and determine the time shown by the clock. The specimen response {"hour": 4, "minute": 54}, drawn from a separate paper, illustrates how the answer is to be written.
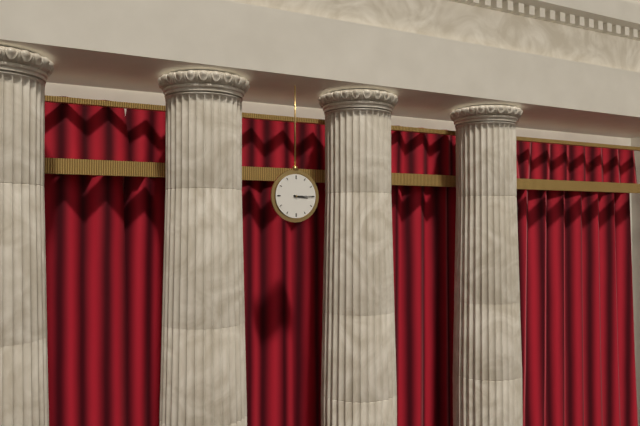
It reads {"hour": 3, "minute": 15}
